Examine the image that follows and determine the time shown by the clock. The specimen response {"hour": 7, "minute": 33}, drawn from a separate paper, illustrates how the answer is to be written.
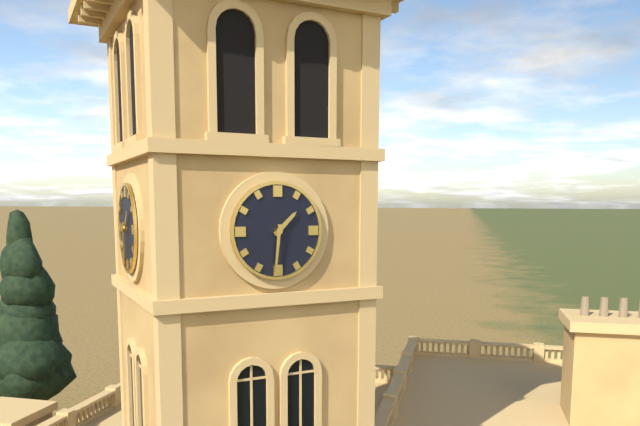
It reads {"hour": 1, "minute": 31}
